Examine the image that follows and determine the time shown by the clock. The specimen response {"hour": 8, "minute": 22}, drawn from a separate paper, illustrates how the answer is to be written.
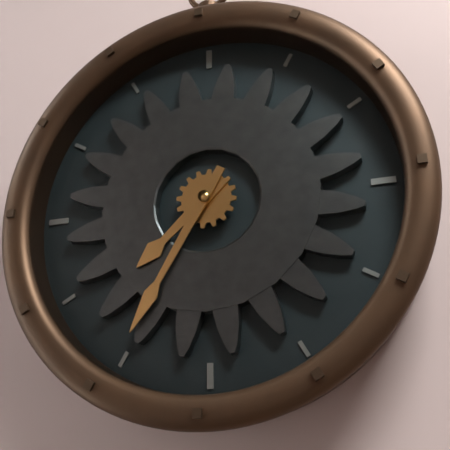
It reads {"hour": 7, "minute": 35}
